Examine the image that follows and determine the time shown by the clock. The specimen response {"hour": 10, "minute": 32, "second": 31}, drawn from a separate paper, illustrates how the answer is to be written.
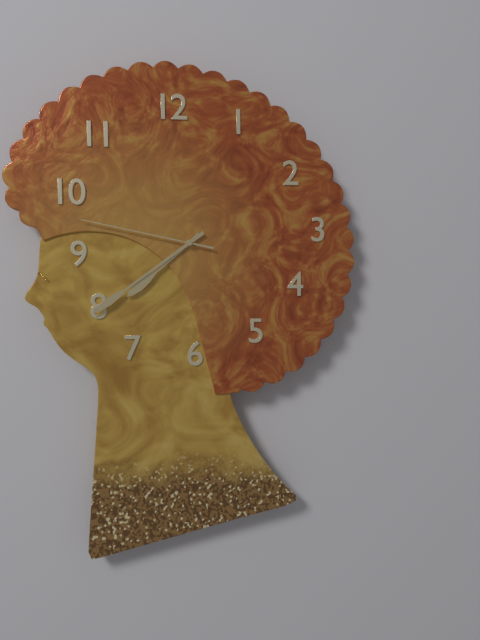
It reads {"hour": 7, "minute": 39, "second": 47}
